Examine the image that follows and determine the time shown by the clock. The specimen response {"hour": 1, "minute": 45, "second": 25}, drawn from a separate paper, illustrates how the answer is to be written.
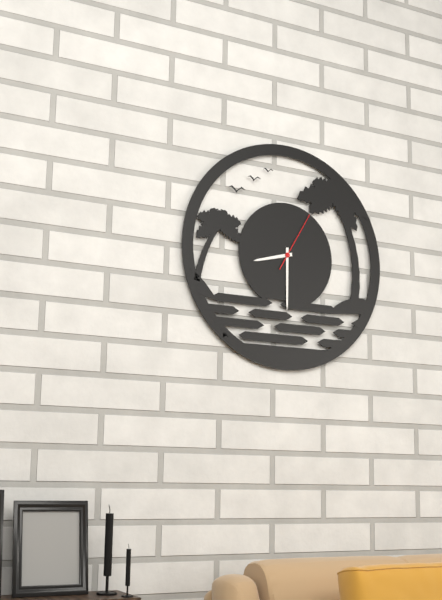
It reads {"hour": 8, "minute": 30, "second": 5}
